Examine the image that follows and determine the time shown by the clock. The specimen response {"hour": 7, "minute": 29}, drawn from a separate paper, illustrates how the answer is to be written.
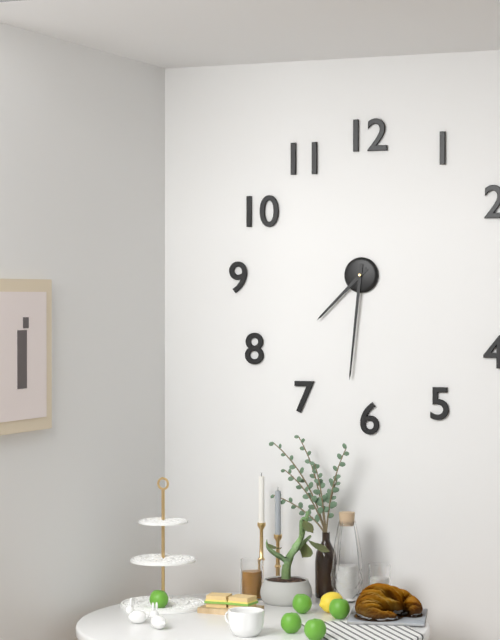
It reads {"hour": 7, "minute": 31}
